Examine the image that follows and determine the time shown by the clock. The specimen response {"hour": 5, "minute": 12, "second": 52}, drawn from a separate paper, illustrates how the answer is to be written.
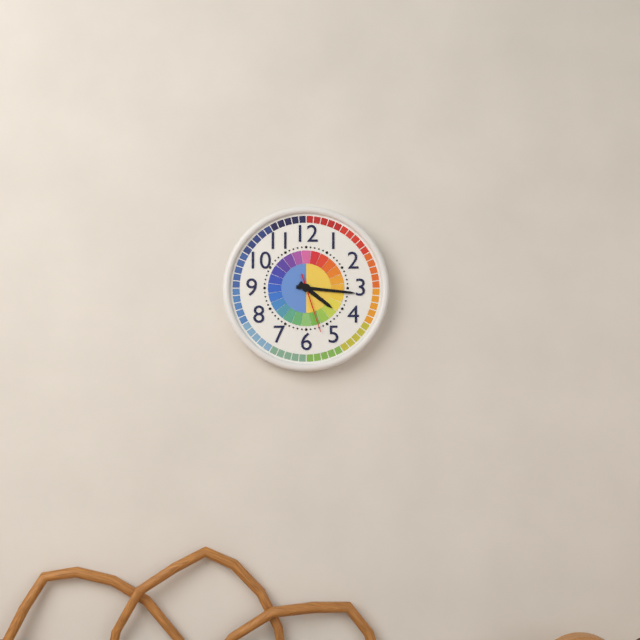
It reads {"hour": 4, "minute": 16, "second": 27}
